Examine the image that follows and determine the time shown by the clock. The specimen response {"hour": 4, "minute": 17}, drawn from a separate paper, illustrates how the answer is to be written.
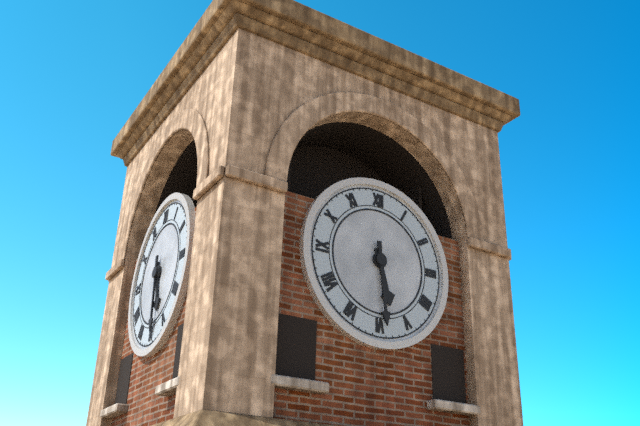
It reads {"hour": 5, "minute": 29}
